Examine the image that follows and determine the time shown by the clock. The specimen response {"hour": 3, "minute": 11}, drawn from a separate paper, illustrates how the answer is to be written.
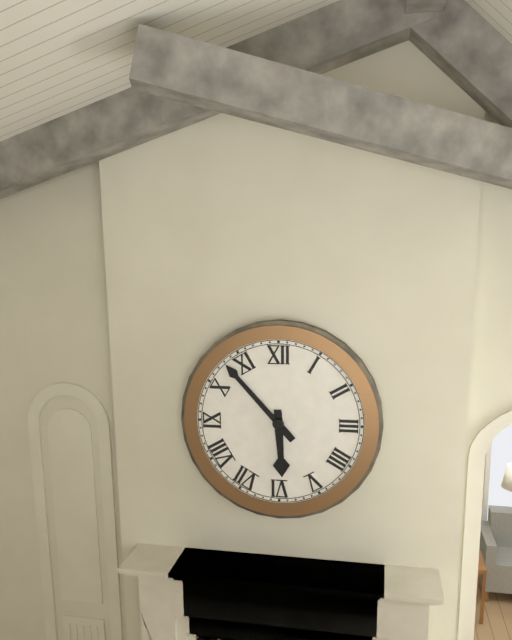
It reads {"hour": 5, "minute": 53}
